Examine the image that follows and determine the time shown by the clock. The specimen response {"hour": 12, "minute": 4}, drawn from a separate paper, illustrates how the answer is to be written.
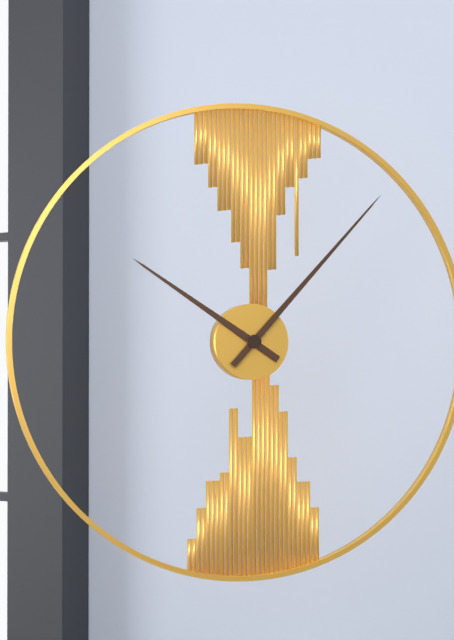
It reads {"hour": 10, "minute": 7}
